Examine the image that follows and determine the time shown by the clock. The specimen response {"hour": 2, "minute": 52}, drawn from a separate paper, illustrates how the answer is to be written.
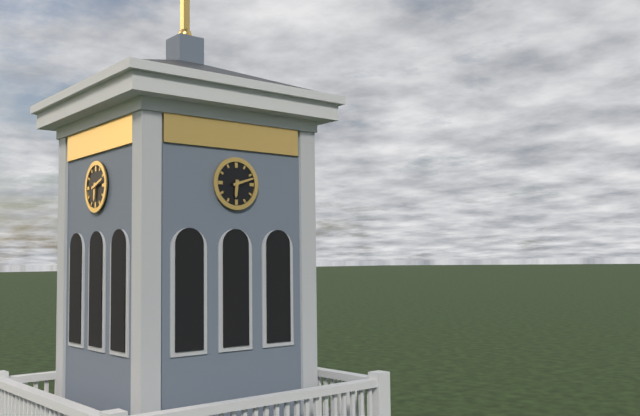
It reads {"hour": 6, "minute": 12}
